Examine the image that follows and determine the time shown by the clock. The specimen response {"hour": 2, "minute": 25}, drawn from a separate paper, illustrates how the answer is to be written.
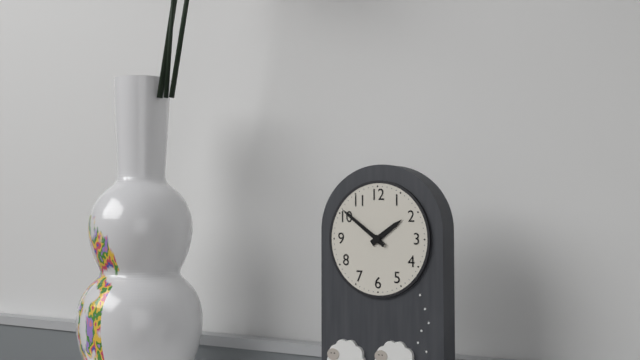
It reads {"hour": 1, "minute": 51}
